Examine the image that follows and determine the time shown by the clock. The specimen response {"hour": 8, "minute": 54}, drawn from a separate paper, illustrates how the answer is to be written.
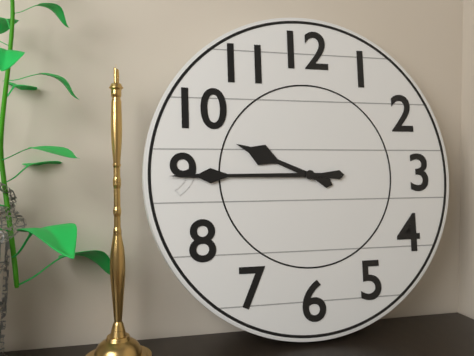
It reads {"hour": 9, "minute": 45}
